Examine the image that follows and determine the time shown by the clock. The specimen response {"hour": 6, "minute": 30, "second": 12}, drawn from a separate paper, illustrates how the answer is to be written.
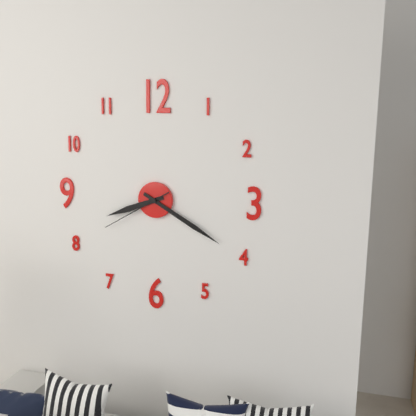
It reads {"hour": 8, "minute": 20, "second": 40}
